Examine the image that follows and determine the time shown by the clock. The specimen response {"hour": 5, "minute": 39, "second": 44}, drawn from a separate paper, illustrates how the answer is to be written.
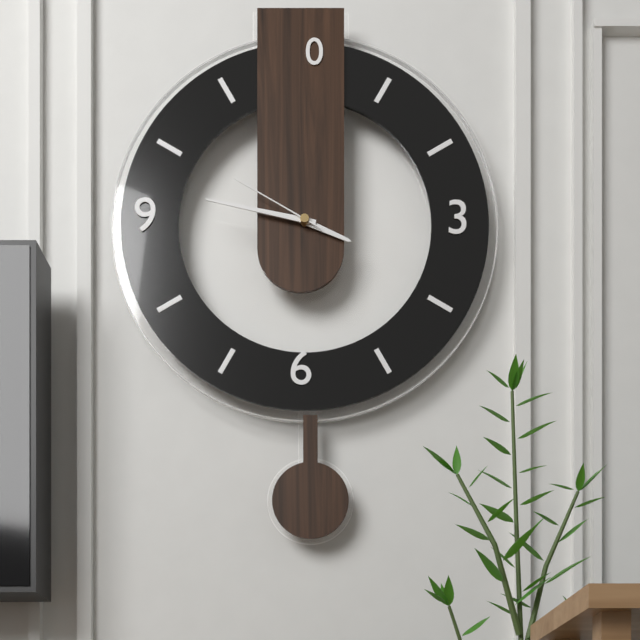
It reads {"hour": 3, "minute": 47, "second": 50}
